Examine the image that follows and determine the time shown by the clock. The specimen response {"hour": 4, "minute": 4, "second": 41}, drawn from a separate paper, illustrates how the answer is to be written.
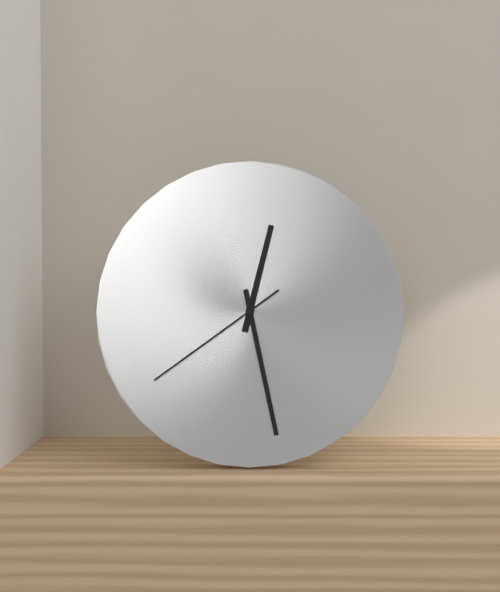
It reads {"hour": 12, "minute": 28, "second": 39}
